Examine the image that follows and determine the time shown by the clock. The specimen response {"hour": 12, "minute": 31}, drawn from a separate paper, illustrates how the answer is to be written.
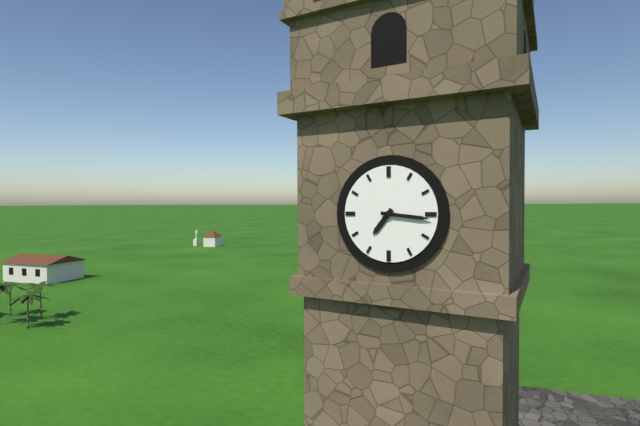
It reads {"hour": 7, "minute": 16}
